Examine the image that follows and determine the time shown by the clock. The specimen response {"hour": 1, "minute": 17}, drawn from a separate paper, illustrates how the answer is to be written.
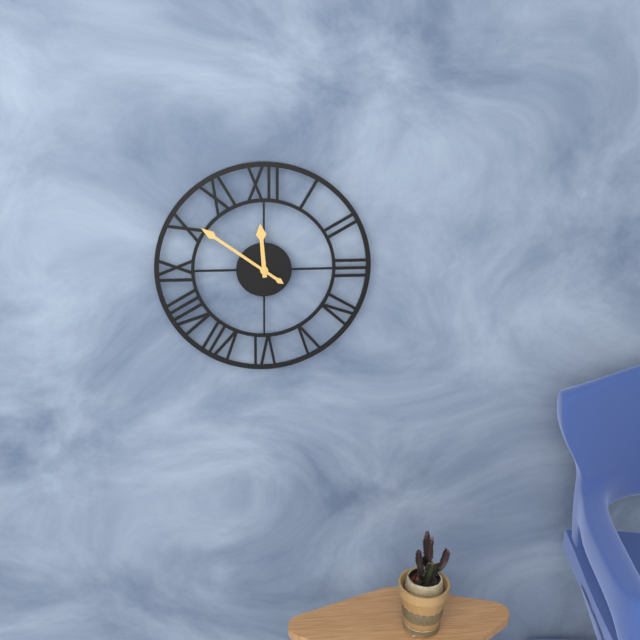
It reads {"hour": 11, "minute": 51}
